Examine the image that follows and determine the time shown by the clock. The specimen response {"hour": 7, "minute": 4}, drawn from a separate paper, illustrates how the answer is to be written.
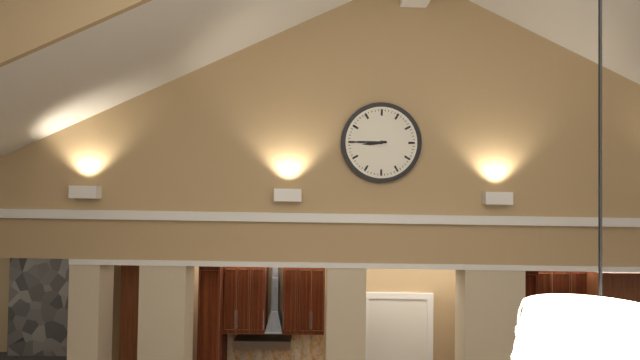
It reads {"hour": 8, "minute": 45}
